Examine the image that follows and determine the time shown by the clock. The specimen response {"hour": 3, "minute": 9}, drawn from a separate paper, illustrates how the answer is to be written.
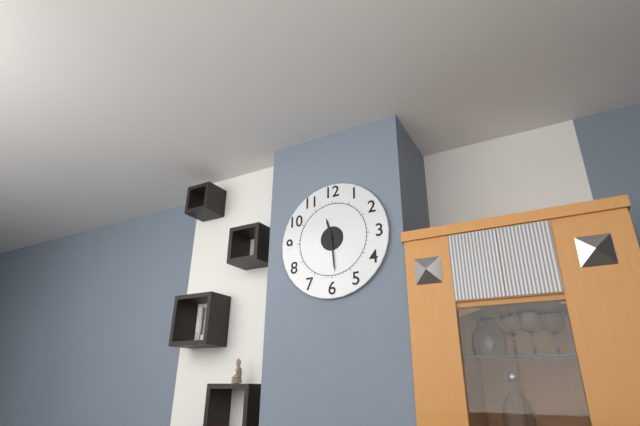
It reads {"hour": 11, "minute": 29}
